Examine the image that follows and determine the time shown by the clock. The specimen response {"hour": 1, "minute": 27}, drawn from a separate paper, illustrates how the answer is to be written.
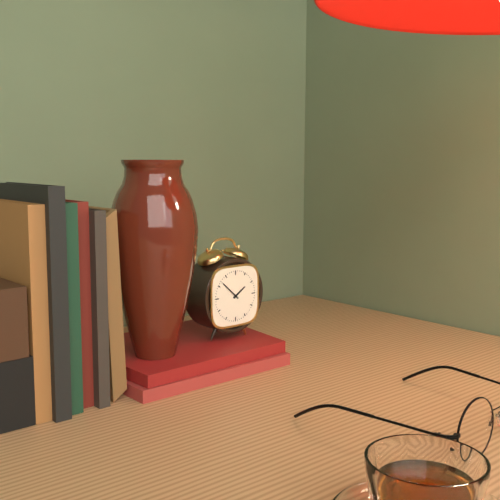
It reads {"hour": 1, "minute": 52}
